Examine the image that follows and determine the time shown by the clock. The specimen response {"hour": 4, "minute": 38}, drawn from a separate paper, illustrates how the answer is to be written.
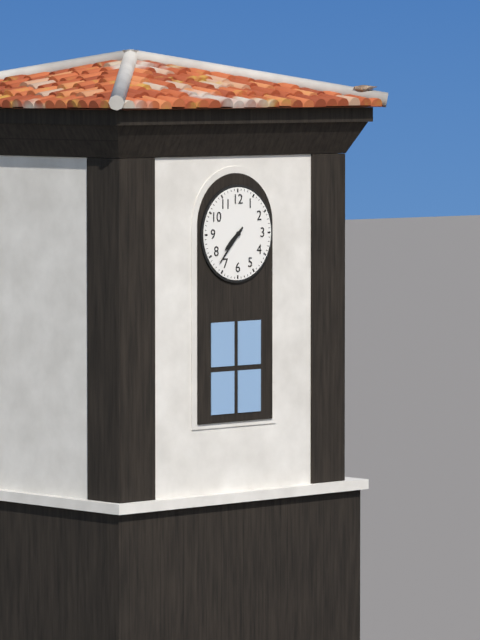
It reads {"hour": 7, "minute": 37}
